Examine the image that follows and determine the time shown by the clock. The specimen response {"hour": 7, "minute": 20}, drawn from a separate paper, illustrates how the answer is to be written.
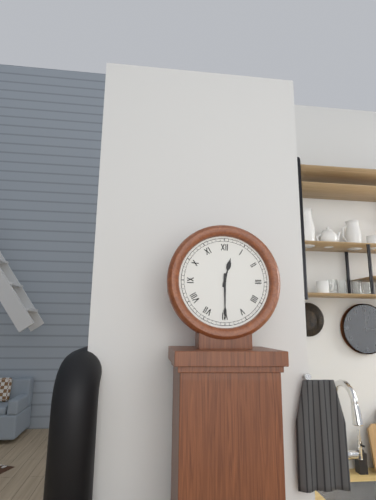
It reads {"hour": 12, "minute": 30}
